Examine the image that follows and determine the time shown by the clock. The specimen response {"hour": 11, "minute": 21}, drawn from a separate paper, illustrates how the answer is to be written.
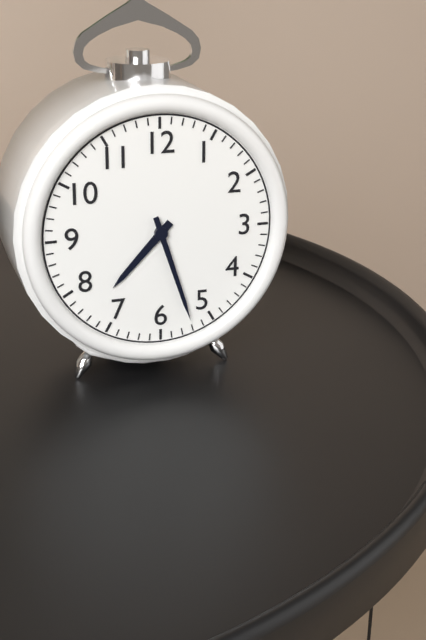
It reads {"hour": 7, "minute": 27}
